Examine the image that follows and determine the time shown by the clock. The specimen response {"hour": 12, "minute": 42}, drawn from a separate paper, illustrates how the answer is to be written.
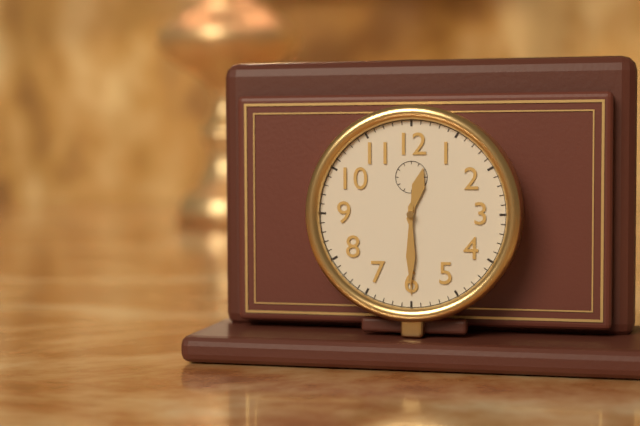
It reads {"hour": 12, "minute": 30}
